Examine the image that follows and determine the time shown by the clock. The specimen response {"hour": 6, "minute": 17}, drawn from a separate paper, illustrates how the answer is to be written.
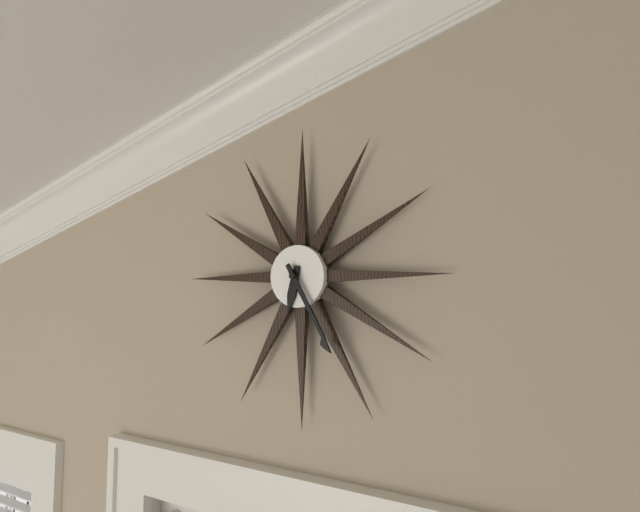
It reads {"hour": 6, "minute": 25}
